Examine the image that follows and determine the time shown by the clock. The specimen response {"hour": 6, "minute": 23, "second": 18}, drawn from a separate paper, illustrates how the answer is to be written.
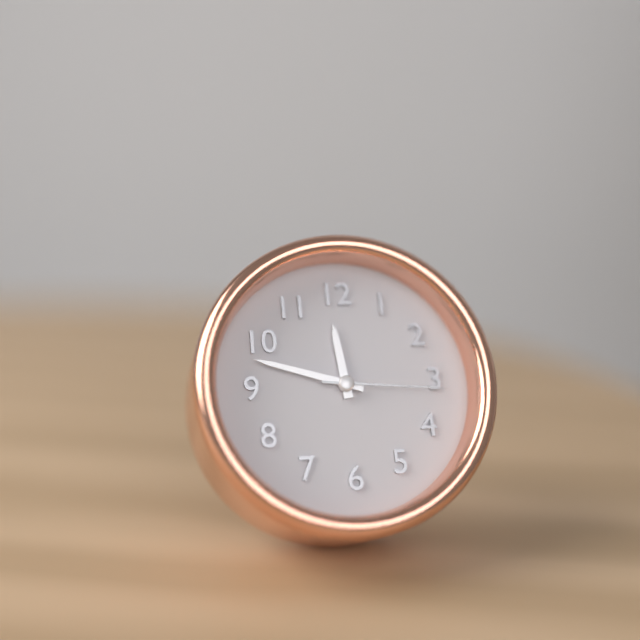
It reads {"hour": 11, "minute": 48, "second": 16}
